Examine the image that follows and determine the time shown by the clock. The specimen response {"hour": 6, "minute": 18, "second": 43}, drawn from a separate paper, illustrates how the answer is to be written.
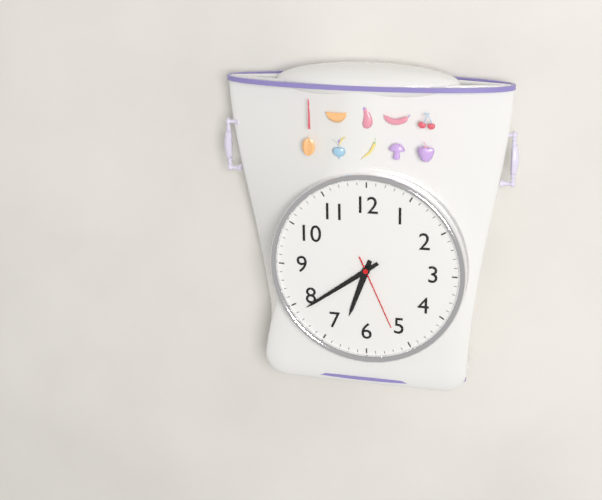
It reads {"hour": 6, "minute": 39, "second": 26}
